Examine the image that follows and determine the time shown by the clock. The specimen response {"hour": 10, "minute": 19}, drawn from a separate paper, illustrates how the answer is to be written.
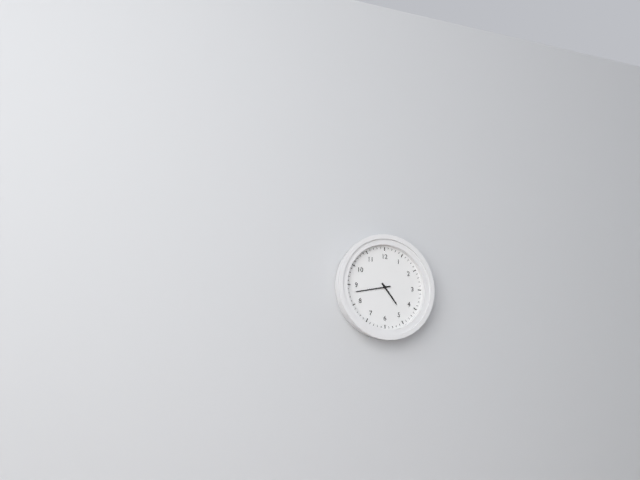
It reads {"hour": 4, "minute": 43}
